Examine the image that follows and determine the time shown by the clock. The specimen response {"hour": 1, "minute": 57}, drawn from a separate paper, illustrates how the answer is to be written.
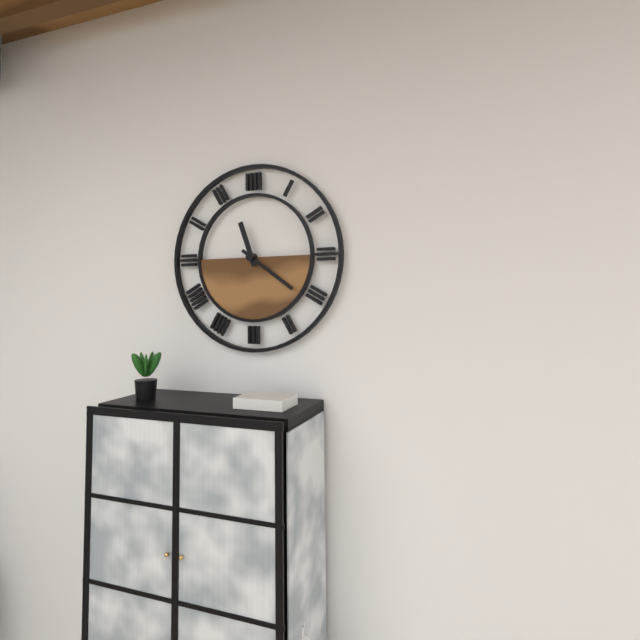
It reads {"hour": 11, "minute": 21}
